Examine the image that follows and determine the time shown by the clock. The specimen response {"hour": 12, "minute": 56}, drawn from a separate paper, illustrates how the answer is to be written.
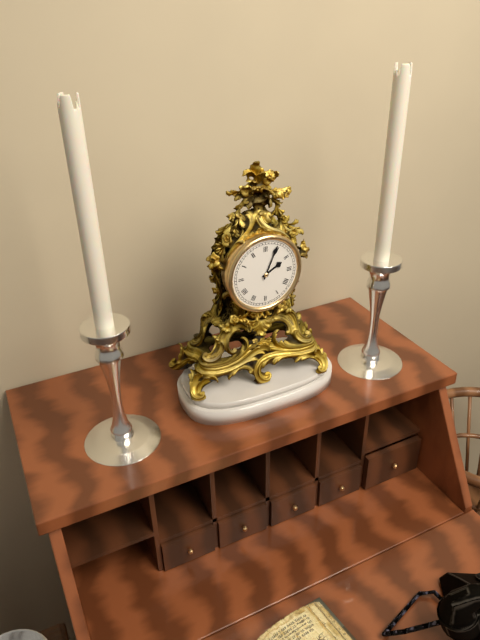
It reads {"hour": 2, "minute": 4}
